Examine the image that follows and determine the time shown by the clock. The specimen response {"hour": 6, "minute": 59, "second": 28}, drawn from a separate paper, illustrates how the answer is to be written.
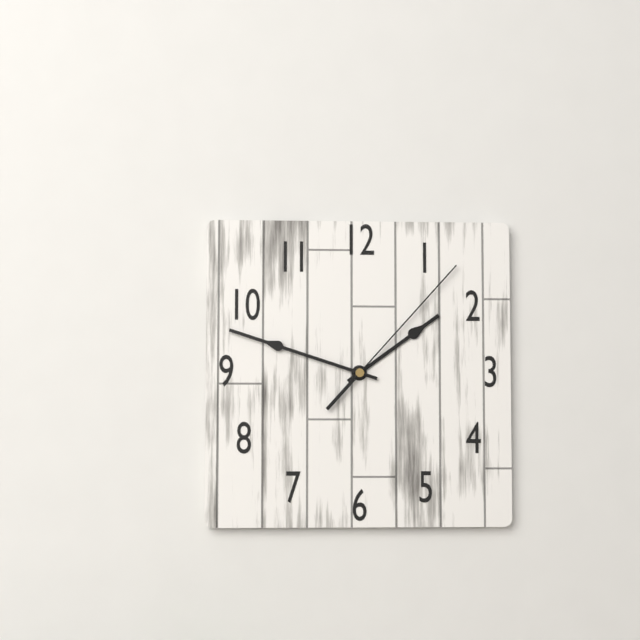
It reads {"hour": 1, "minute": 48, "second": 7}
